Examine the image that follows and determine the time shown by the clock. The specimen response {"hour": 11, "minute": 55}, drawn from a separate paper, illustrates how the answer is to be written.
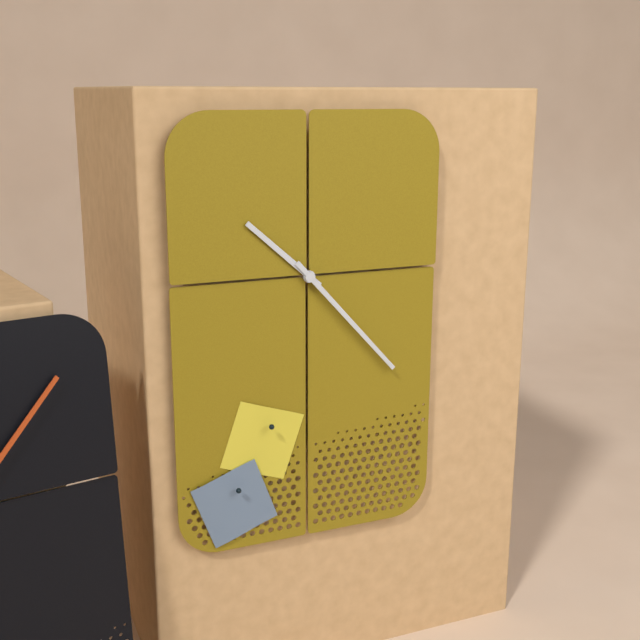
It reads {"hour": 10, "minute": 23}
